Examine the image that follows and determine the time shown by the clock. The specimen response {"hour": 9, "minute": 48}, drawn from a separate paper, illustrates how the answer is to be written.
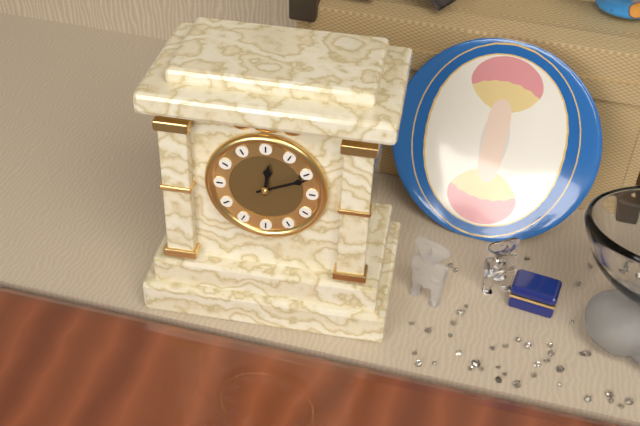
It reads {"hour": 12, "minute": 11}
